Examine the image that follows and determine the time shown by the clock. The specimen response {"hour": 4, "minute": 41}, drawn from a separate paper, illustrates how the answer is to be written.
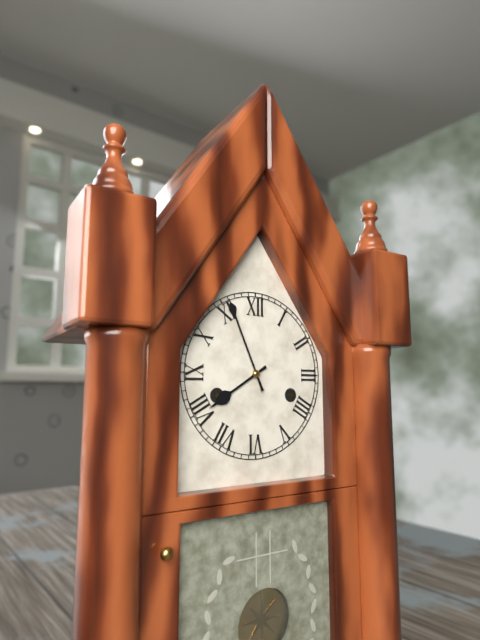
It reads {"hour": 7, "minute": 56}
